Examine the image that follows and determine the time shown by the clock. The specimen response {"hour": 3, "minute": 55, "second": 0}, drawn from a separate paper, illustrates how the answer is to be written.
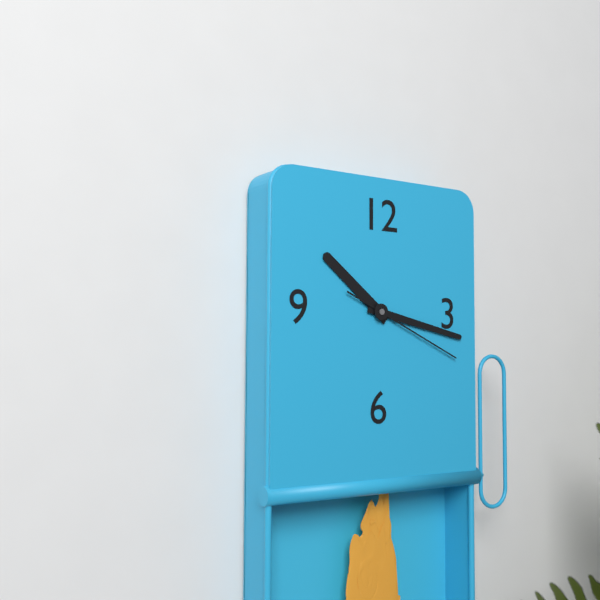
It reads {"hour": 10, "minute": 17, "second": 19}
